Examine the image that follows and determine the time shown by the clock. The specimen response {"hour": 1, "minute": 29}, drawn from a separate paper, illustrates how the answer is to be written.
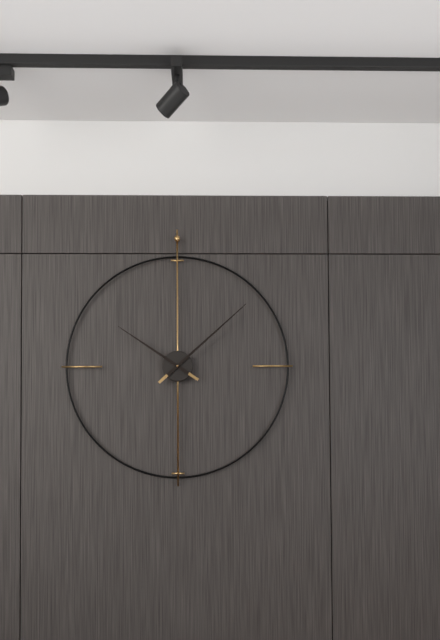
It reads {"hour": 10, "minute": 8}
